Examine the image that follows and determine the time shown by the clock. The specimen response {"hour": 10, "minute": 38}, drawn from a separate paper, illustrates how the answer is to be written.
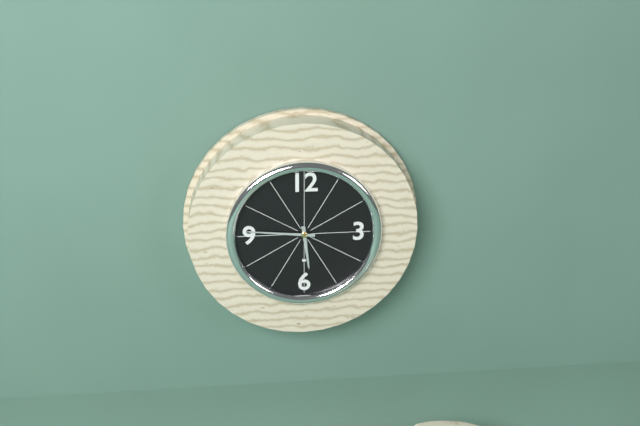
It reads {"hour": 5, "minute": 46}
